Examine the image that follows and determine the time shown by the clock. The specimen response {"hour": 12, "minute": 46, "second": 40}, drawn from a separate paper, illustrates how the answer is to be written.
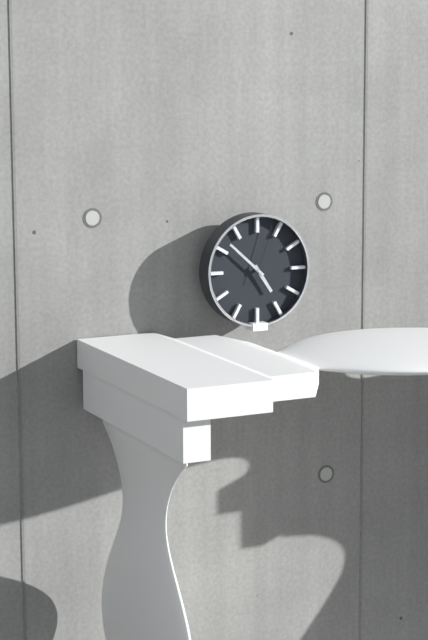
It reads {"hour": 4, "minute": 52, "second": 3}
